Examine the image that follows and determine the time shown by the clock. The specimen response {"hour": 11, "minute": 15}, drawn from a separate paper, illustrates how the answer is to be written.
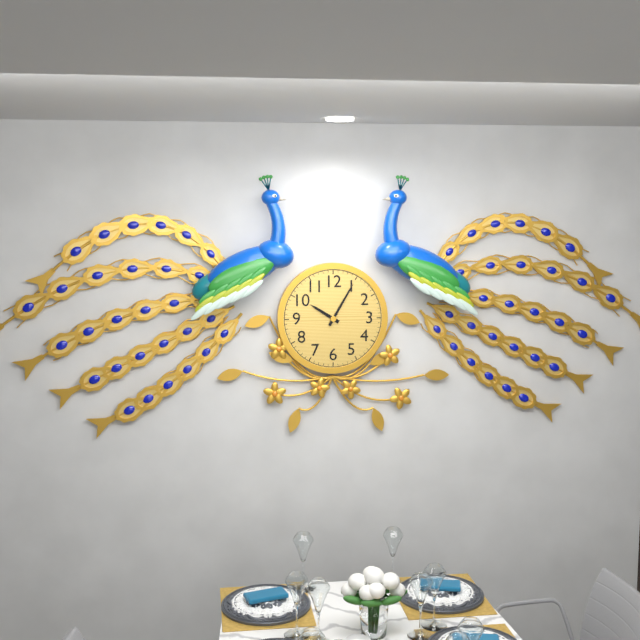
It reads {"hour": 10, "minute": 5}
